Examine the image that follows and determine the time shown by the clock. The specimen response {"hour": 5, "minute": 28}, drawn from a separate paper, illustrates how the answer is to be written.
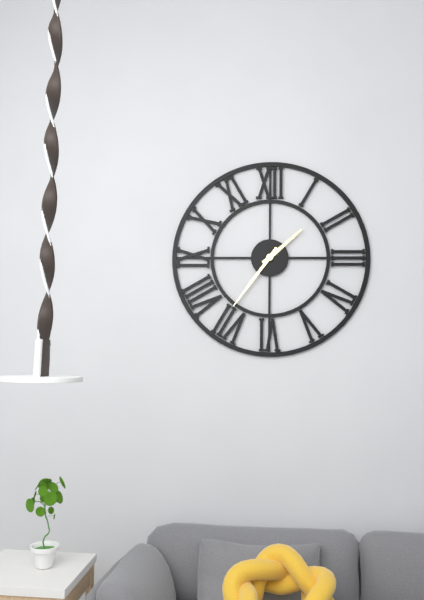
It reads {"hour": 1, "minute": 36}
